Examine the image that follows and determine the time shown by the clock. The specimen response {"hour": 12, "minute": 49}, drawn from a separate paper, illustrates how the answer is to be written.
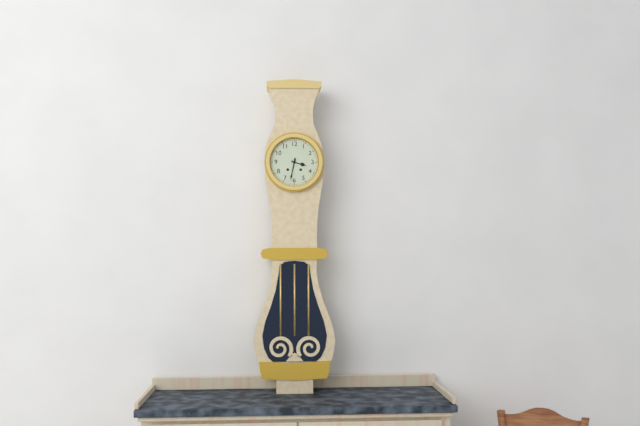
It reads {"hour": 3, "minute": 32}
